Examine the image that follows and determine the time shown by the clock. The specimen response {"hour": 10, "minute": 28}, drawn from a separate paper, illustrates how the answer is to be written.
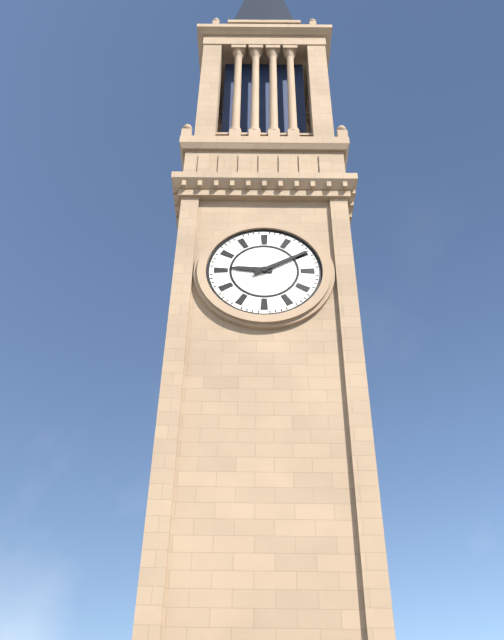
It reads {"hour": 9, "minute": 10}
